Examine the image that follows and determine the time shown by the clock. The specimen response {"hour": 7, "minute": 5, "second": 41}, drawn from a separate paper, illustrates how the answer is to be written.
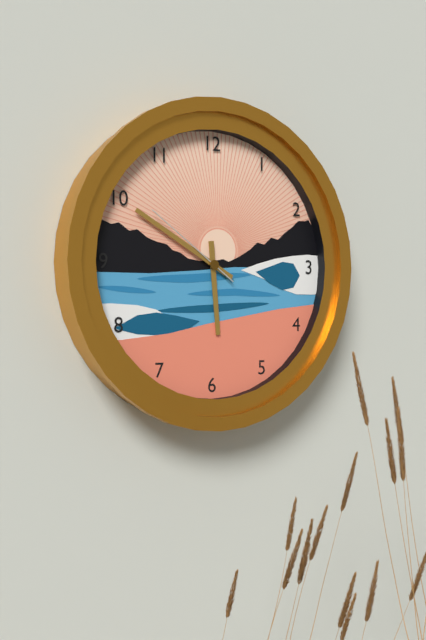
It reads {"hour": 5, "minute": 50, "second": 51}
